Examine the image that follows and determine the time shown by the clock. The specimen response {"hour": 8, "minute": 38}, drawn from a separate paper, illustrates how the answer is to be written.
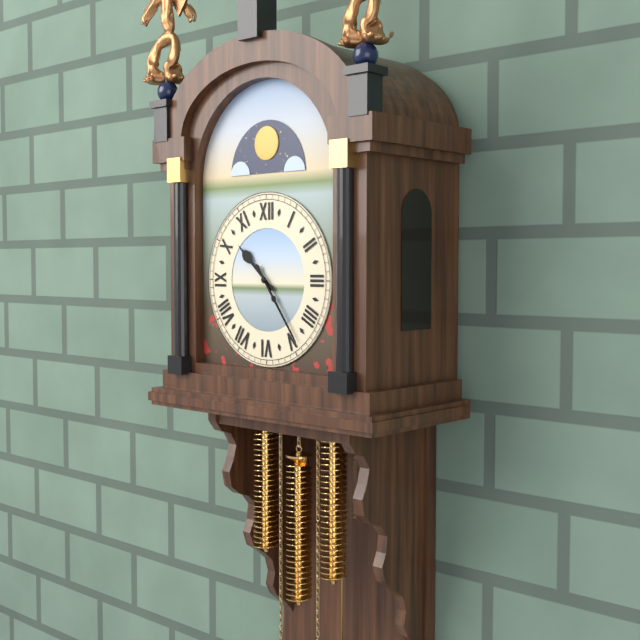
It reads {"hour": 10, "minute": 24}
